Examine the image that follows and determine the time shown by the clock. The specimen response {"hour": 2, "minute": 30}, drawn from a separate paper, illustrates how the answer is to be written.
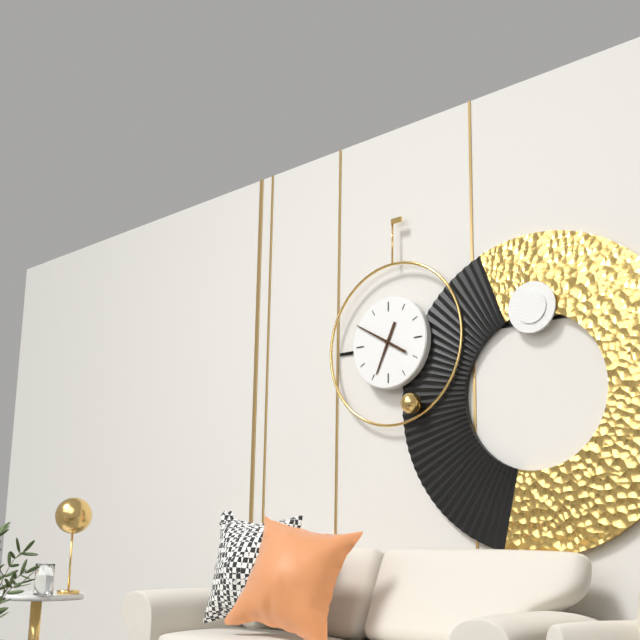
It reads {"hour": 6, "minute": 50}
